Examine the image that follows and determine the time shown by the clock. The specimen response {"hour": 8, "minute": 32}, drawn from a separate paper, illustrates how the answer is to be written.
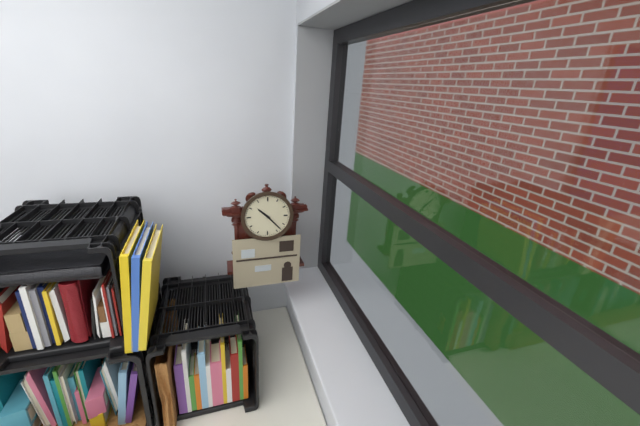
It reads {"hour": 10, "minute": 23}
